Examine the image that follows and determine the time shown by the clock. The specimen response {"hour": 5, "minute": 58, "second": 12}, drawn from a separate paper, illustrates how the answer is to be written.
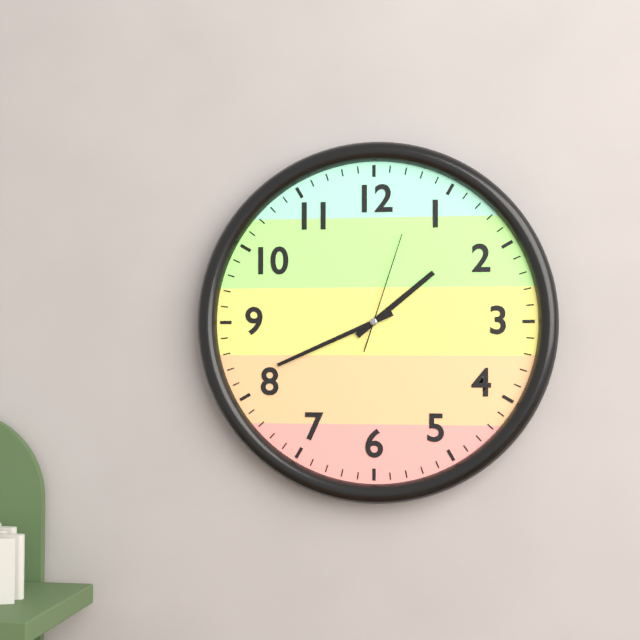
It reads {"hour": 1, "minute": 41, "second": 3}
